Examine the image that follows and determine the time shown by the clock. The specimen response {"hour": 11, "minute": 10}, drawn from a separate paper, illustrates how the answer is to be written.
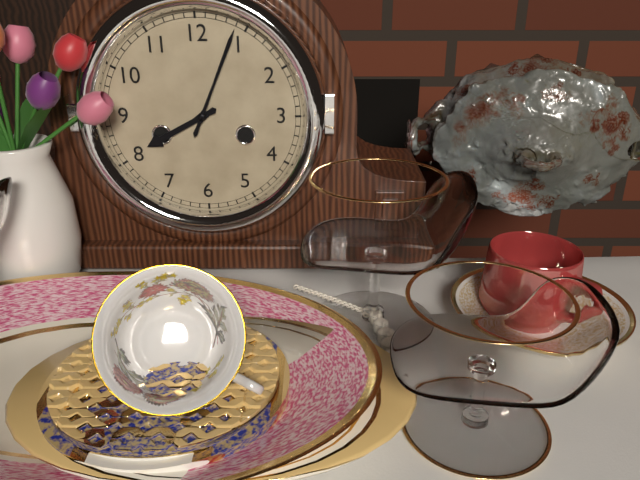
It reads {"hour": 8, "minute": 4}
